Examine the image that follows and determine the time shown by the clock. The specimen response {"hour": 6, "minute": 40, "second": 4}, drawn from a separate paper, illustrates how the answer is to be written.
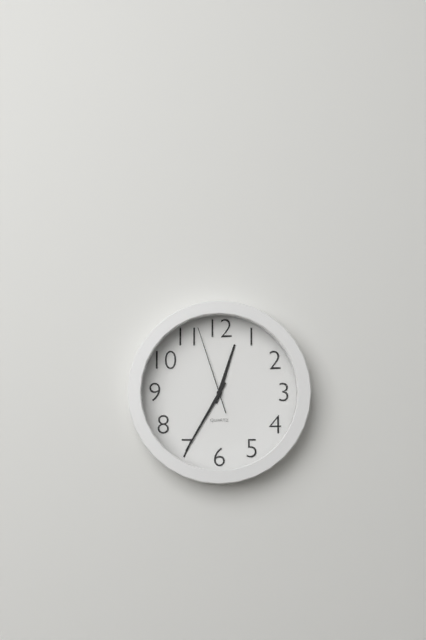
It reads {"hour": 12, "minute": 35, "second": 57}
